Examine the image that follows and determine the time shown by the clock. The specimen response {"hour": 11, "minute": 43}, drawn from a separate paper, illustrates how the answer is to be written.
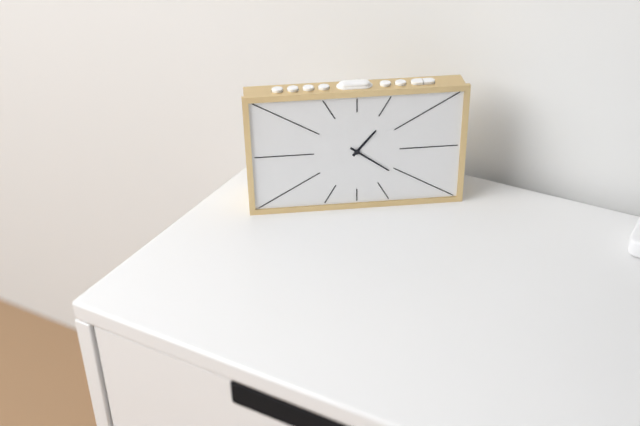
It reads {"hour": 1, "minute": 21}
